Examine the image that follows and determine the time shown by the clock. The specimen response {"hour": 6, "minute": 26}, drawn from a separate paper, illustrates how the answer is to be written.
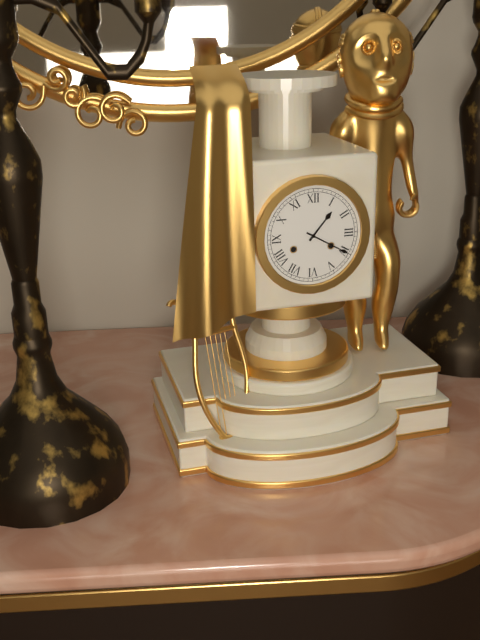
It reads {"hour": 1, "minute": 20}
